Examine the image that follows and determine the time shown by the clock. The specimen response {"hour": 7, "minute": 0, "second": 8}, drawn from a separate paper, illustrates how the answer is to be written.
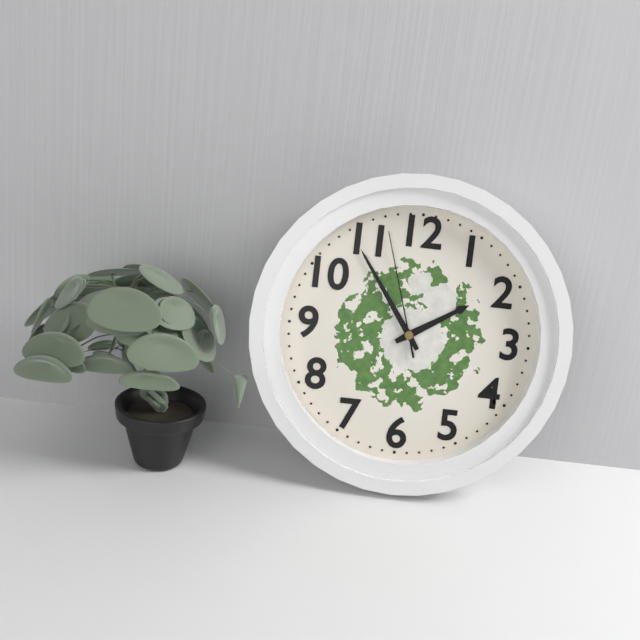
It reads {"hour": 1, "minute": 54, "second": 57}
